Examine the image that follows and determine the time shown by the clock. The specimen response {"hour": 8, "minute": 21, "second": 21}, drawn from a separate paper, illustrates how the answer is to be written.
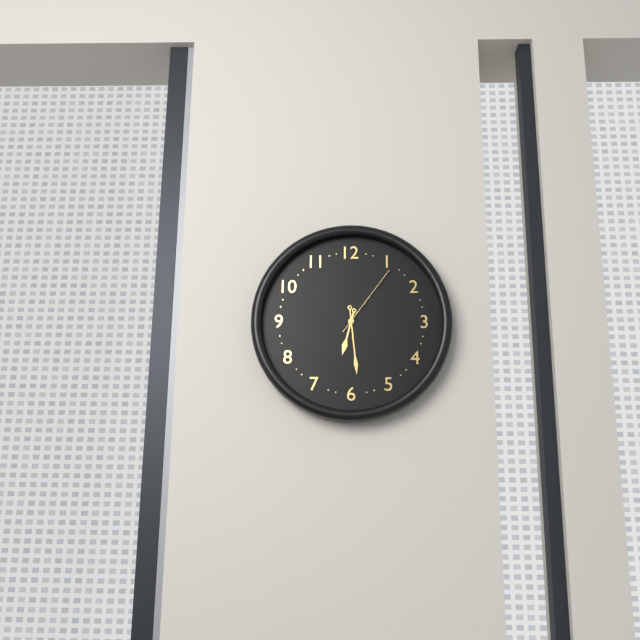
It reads {"hour": 6, "minute": 29, "second": 6}
